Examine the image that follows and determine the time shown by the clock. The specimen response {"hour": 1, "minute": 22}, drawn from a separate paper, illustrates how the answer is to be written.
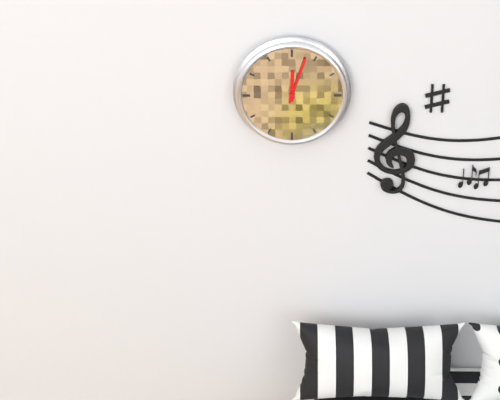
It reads {"hour": 12, "minute": 3}
